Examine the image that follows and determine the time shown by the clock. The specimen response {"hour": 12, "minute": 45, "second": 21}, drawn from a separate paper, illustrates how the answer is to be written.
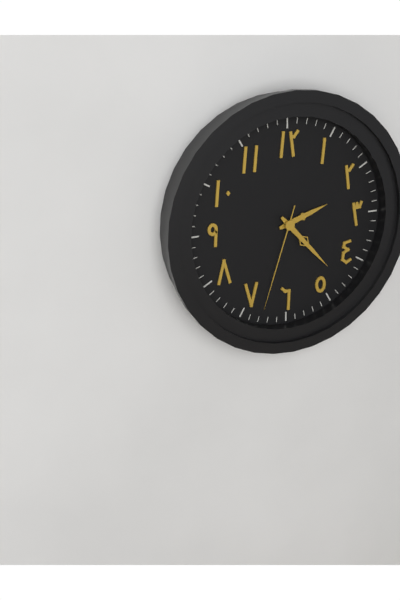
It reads {"hour": 2, "minute": 23, "second": 33}
